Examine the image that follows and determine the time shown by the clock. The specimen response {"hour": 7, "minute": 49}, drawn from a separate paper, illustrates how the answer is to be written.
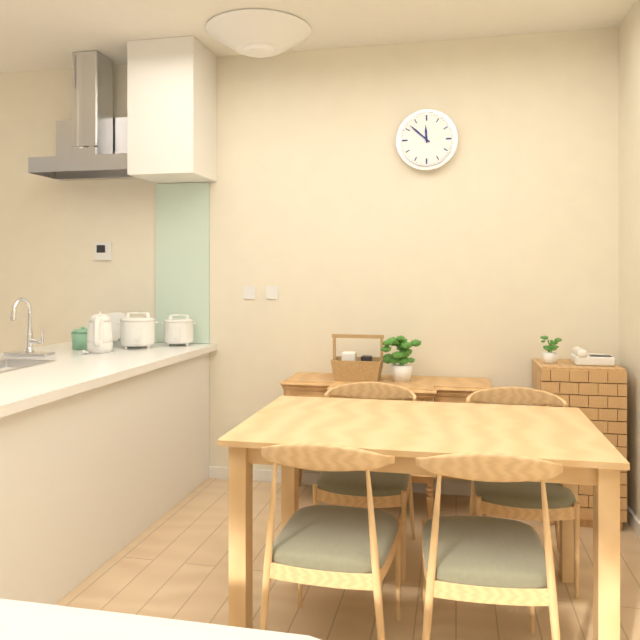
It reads {"hour": 11, "minute": 52}
